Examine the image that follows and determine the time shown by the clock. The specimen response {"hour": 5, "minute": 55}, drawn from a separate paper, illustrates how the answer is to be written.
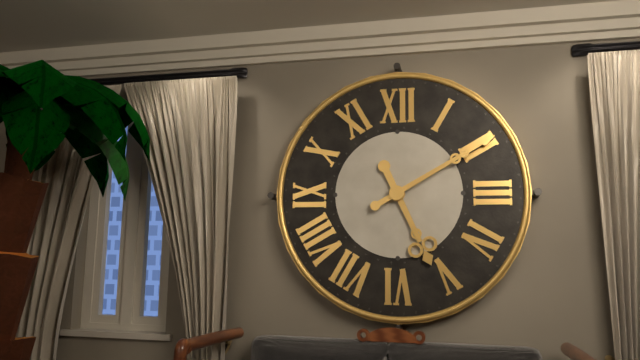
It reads {"hour": 5, "minute": 10}
